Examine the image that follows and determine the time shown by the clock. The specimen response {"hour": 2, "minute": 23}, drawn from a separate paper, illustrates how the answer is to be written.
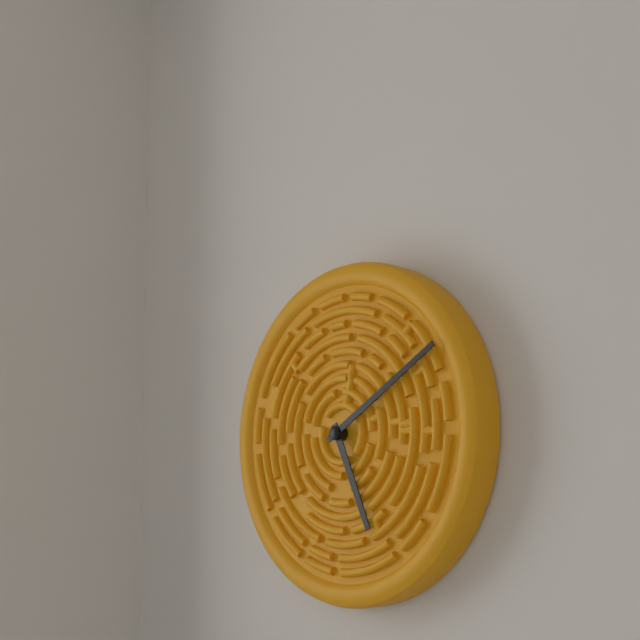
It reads {"hour": 5, "minute": 10}
